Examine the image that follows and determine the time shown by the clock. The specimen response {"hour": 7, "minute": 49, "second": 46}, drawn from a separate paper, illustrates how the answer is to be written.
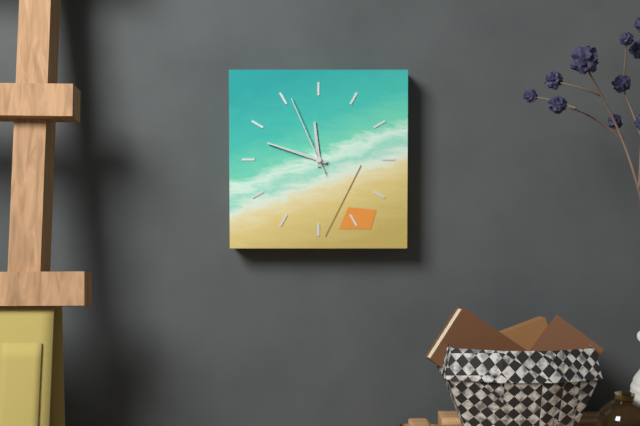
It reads {"hour": 11, "minute": 48, "second": 56}
